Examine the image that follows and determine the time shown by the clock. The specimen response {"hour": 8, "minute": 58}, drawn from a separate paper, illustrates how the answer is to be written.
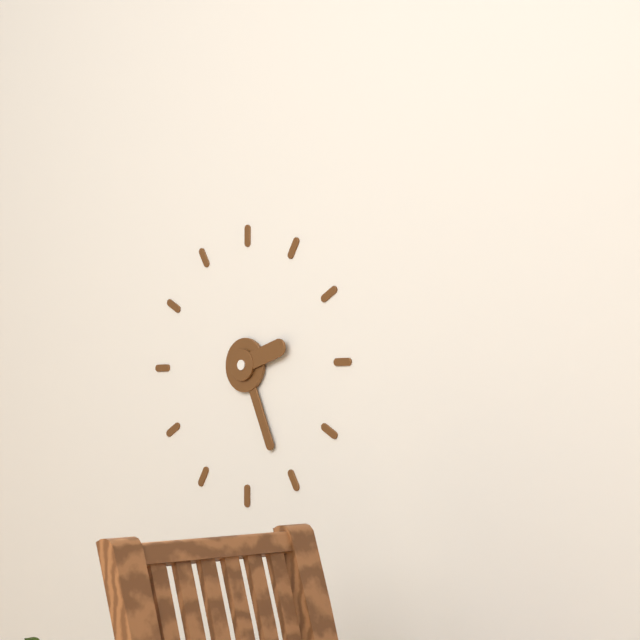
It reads {"hour": 2, "minute": 26}
